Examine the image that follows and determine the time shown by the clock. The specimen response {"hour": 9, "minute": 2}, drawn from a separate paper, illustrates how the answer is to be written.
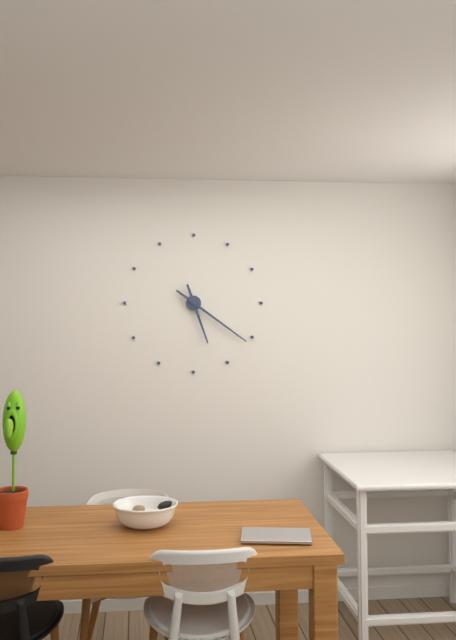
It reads {"hour": 5, "minute": 21}
